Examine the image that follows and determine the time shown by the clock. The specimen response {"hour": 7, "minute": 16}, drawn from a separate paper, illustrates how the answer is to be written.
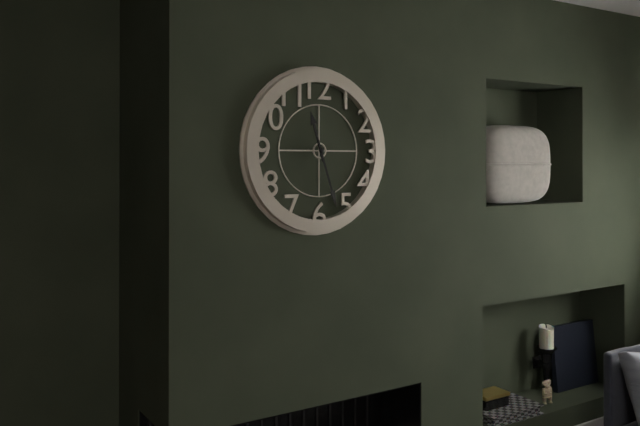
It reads {"hour": 11, "minute": 27}
